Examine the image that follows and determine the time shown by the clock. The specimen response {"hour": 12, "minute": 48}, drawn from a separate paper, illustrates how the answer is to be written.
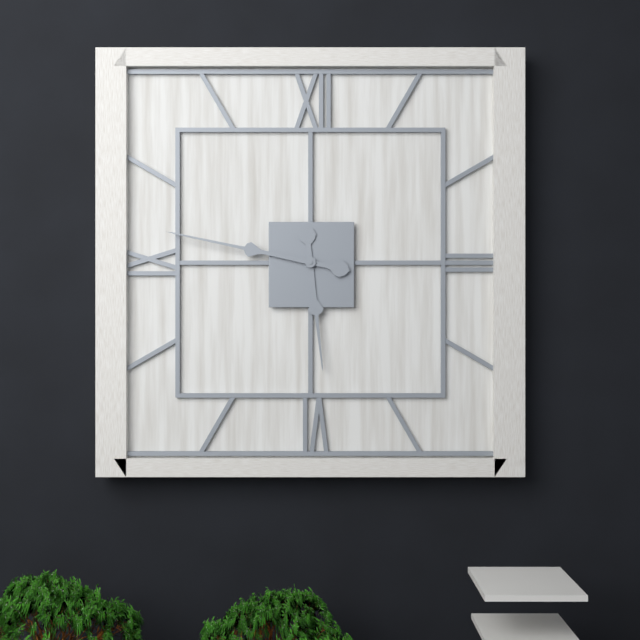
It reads {"hour": 5, "minute": 47}
